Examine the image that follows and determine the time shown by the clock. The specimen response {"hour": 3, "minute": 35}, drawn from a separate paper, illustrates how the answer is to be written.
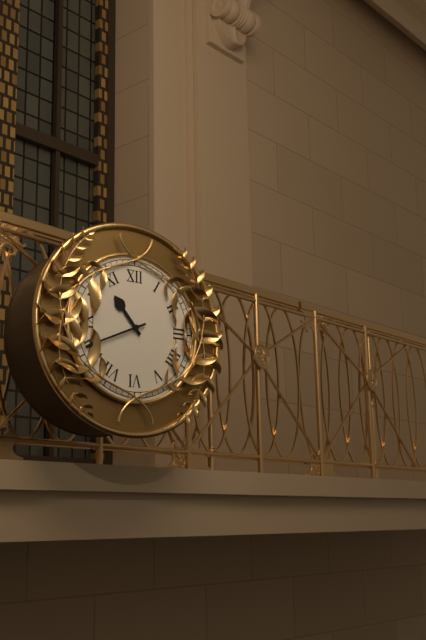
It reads {"hour": 10, "minute": 41}
